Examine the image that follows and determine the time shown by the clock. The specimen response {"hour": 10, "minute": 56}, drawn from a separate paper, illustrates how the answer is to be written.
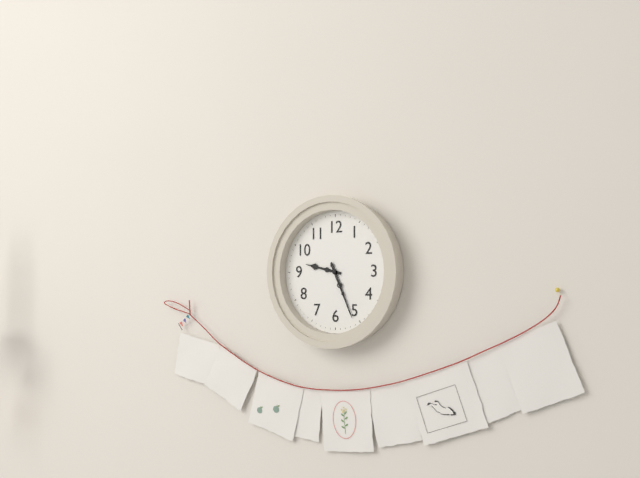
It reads {"hour": 9, "minute": 26}
